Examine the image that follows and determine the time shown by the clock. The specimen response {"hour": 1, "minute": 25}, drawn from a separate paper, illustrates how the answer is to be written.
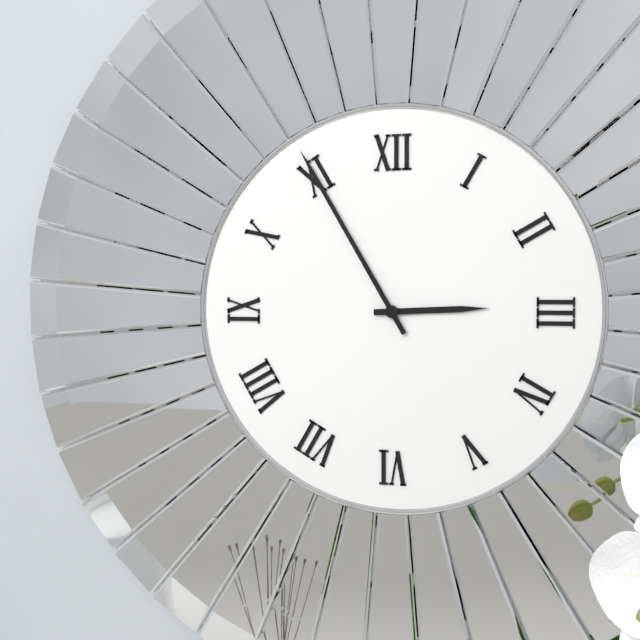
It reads {"hour": 2, "minute": 55}
